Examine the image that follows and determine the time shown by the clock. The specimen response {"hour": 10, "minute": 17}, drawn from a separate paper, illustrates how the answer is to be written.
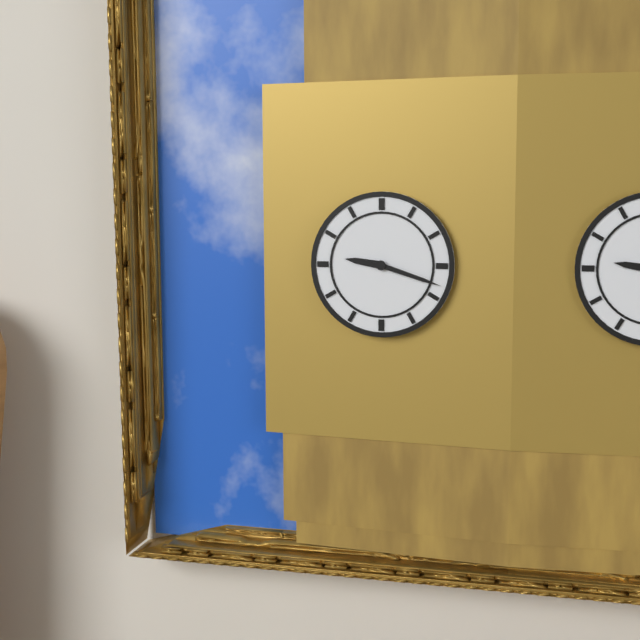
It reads {"hour": 9, "minute": 18}
